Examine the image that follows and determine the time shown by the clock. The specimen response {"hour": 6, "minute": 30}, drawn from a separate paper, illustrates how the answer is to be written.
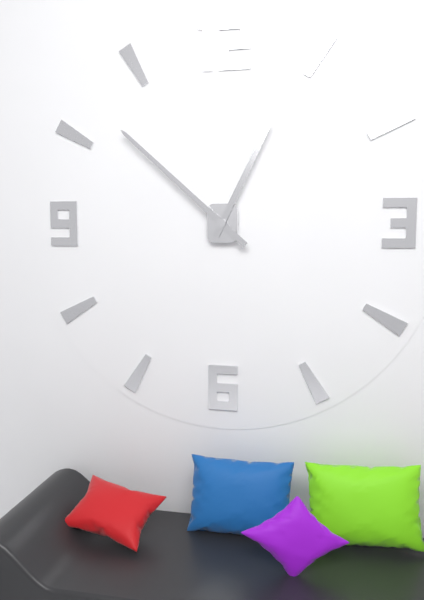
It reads {"hour": 12, "minute": 52}
